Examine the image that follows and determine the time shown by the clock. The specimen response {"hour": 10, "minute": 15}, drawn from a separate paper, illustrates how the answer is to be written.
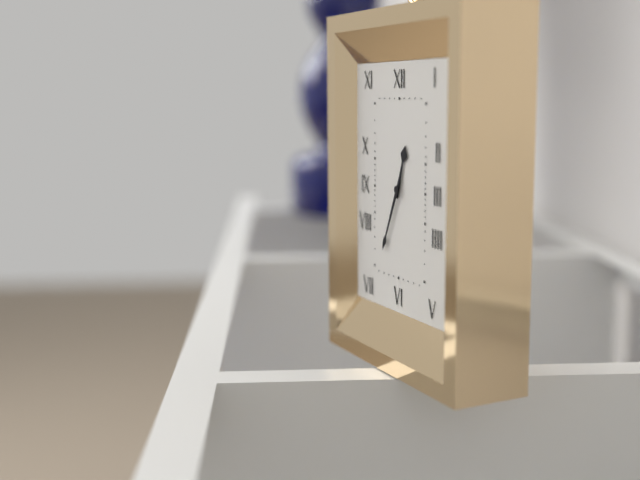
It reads {"hour": 12, "minute": 34}
